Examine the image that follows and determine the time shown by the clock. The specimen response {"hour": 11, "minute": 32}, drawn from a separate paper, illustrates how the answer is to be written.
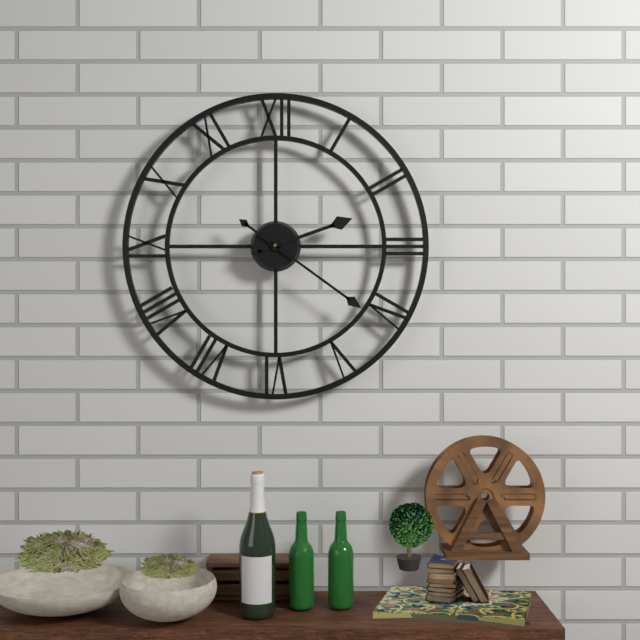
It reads {"hour": 2, "minute": 21}
